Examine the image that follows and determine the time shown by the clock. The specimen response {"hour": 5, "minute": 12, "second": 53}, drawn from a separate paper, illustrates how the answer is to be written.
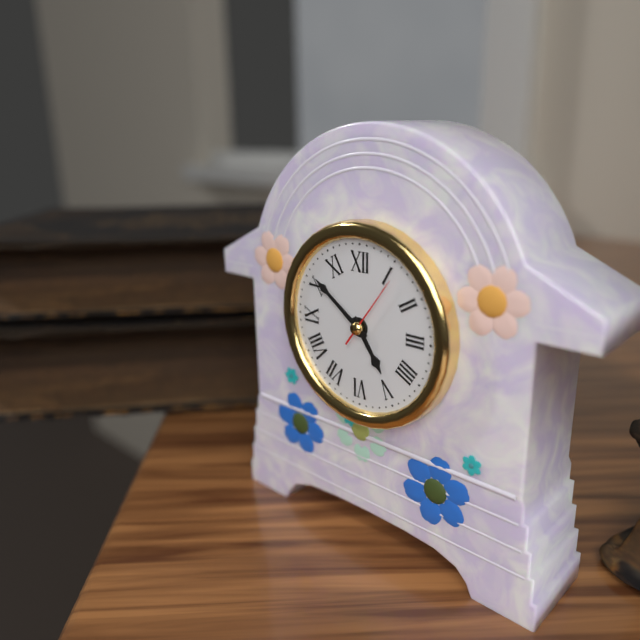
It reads {"hour": 4, "minute": 51, "second": 6}
